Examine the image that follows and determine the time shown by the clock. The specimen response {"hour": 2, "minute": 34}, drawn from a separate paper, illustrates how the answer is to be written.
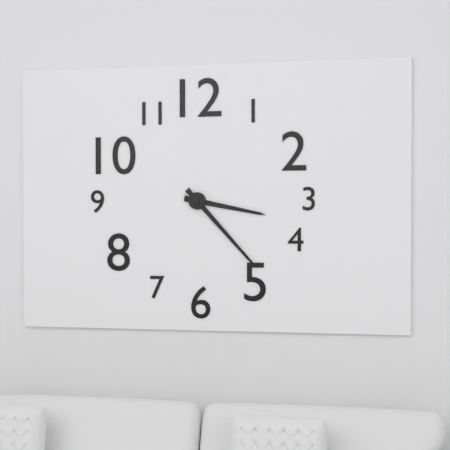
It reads {"hour": 3, "minute": 23}
